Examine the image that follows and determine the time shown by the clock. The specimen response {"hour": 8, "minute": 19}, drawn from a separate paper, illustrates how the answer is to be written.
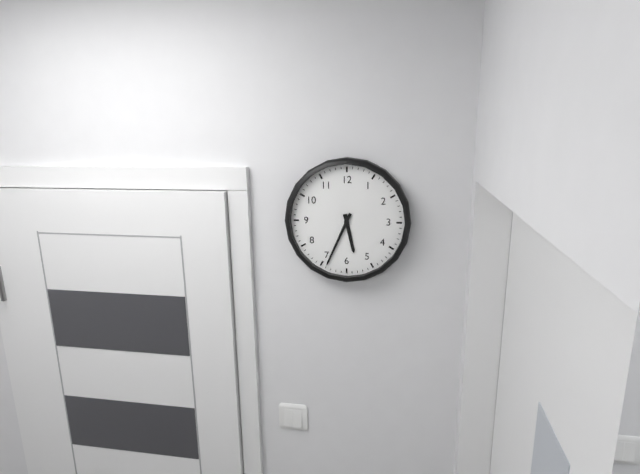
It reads {"hour": 5, "minute": 34}
